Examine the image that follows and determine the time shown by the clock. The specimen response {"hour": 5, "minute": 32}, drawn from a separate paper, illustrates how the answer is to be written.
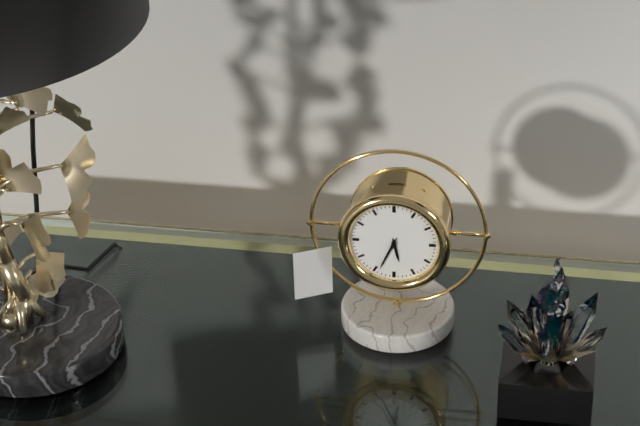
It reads {"hour": 5, "minute": 34}
